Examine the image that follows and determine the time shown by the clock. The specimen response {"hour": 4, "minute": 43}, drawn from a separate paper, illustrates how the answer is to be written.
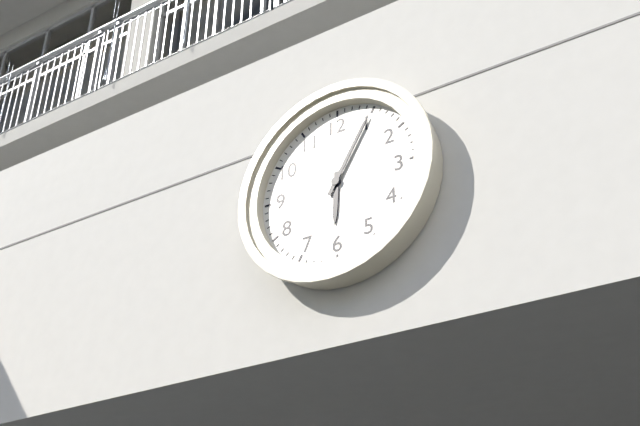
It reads {"hour": 6, "minute": 5}
